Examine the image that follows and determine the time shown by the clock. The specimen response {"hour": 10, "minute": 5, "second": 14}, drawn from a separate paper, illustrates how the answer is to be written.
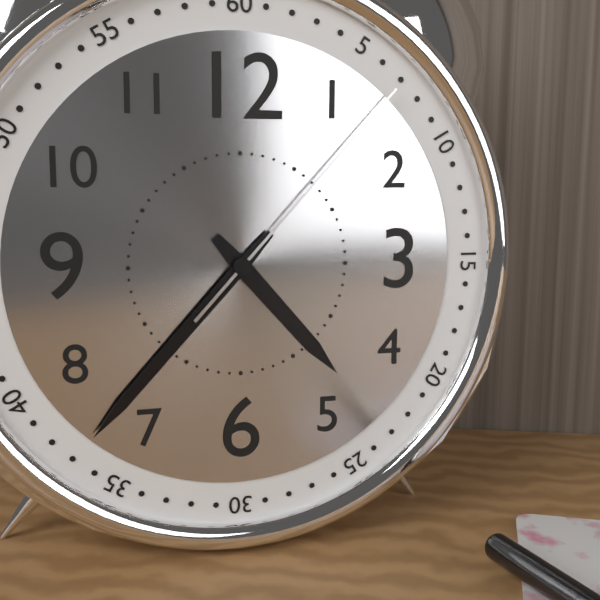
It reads {"hour": 4, "minute": 37, "second": 7}
